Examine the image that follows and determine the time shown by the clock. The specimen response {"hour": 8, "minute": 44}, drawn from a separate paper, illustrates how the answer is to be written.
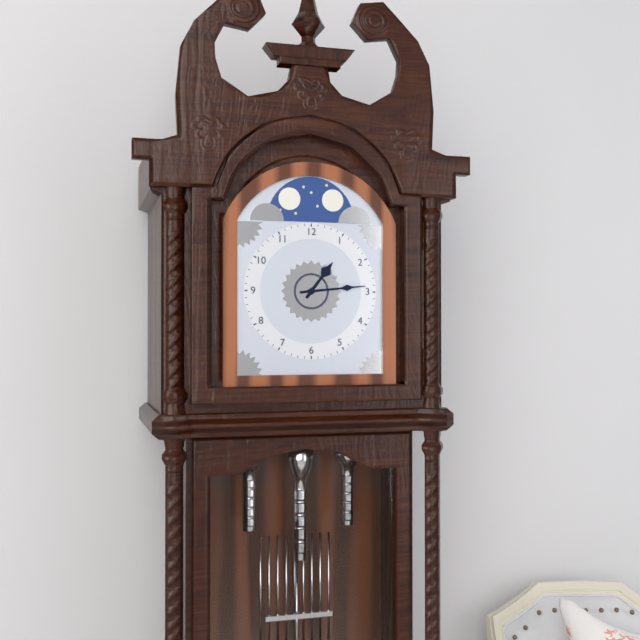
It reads {"hour": 1, "minute": 14}
